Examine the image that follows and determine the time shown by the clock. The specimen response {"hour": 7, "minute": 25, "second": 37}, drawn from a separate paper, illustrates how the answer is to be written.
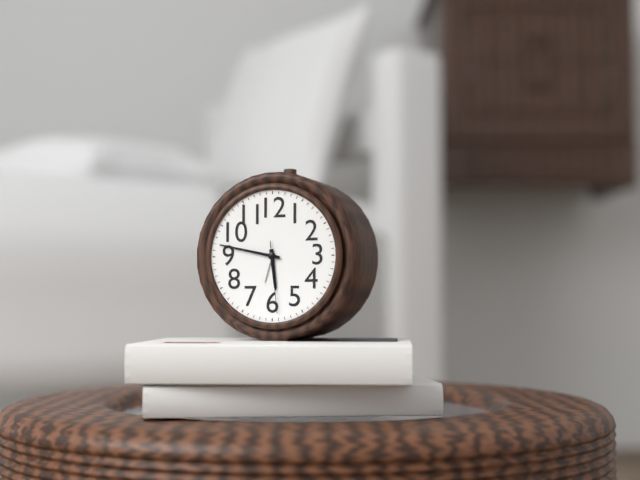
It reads {"hour": 5, "minute": 47, "second": 29}
